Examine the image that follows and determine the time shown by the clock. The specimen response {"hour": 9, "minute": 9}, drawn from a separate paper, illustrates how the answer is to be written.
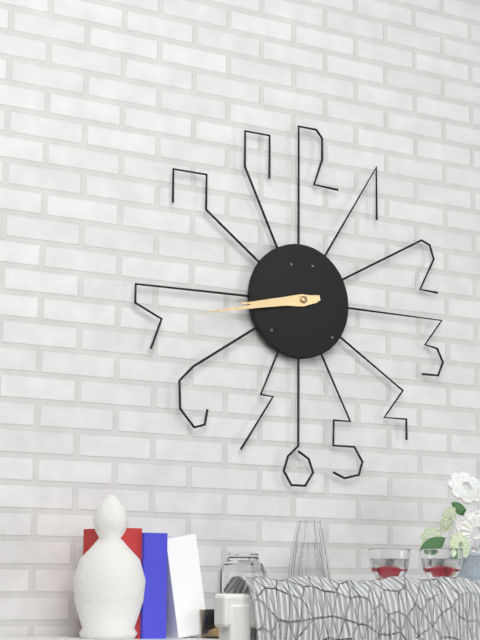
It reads {"hour": 8, "minute": 43}
